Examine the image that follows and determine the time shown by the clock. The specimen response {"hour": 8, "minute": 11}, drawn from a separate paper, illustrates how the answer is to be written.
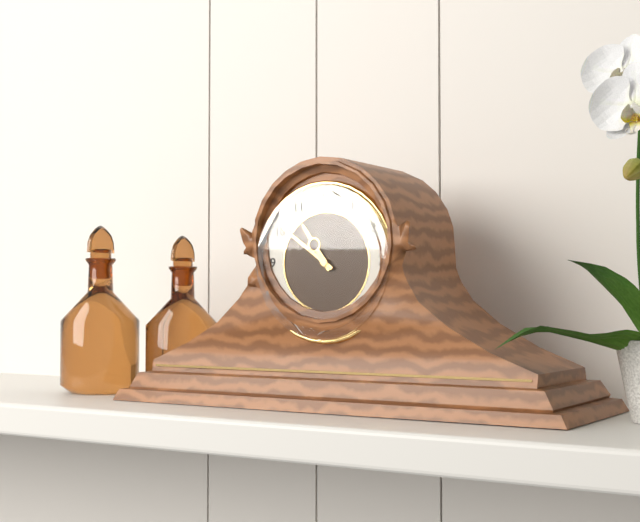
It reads {"hour": 10, "minute": 51}
